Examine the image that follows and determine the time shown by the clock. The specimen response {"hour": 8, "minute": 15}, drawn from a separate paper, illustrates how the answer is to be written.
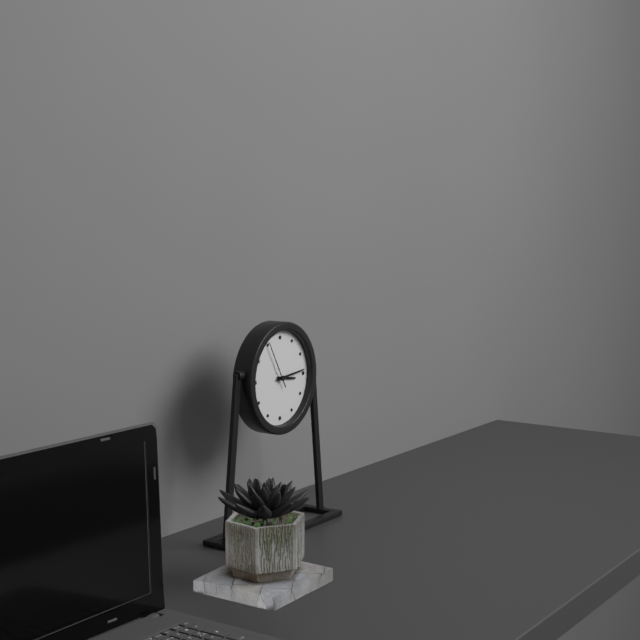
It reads {"hour": 3, "minute": 14}
